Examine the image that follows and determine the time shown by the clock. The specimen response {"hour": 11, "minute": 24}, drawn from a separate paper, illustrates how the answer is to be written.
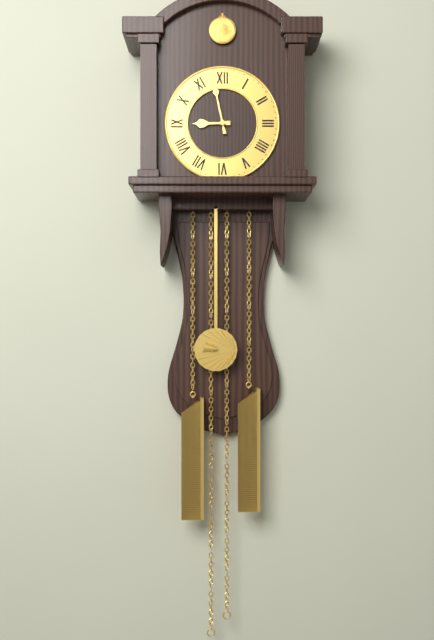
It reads {"hour": 8, "minute": 58}
